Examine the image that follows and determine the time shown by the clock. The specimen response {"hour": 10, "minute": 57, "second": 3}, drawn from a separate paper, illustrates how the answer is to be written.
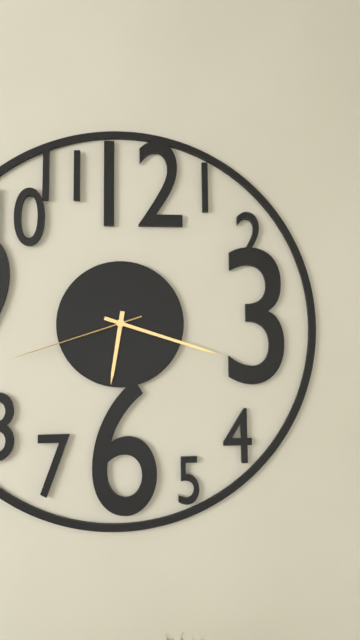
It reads {"hour": 6, "minute": 18, "second": 42}
